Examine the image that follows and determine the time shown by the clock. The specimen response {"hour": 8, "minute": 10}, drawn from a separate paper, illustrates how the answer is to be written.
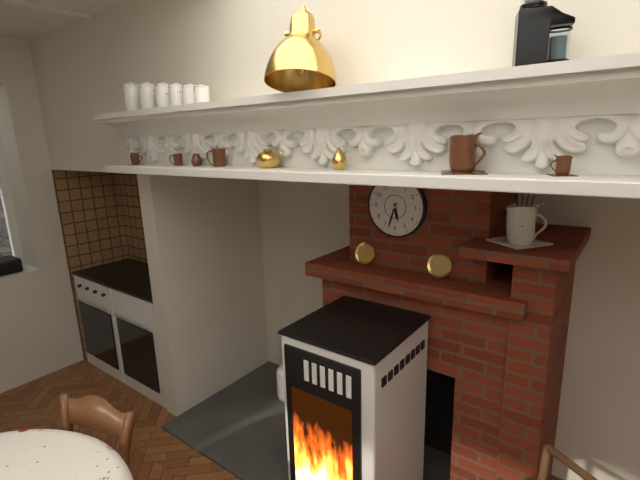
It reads {"hour": 5, "minute": 33}
